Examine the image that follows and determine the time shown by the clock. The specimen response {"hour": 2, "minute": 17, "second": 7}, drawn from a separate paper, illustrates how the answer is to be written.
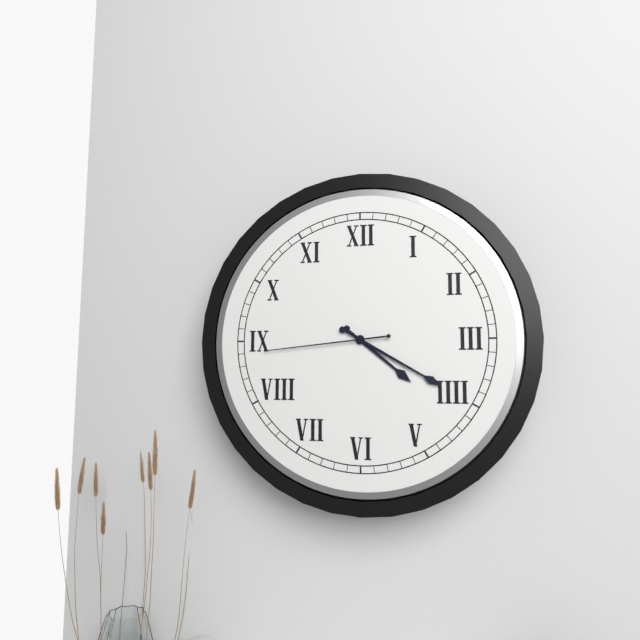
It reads {"hour": 4, "minute": 20, "second": 44}
